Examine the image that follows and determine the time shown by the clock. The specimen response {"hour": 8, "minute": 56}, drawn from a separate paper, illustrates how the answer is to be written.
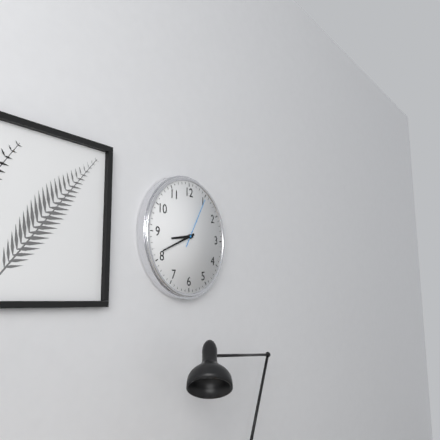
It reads {"hour": 8, "minute": 41}
